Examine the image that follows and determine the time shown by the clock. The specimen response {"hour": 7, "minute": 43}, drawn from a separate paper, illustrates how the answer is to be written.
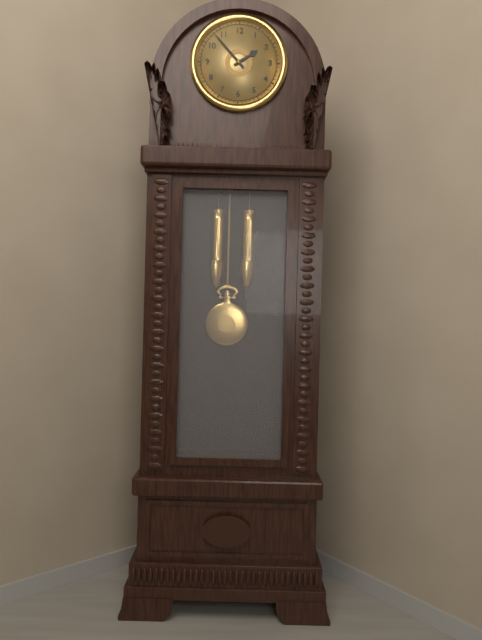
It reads {"hour": 1, "minute": 53}
